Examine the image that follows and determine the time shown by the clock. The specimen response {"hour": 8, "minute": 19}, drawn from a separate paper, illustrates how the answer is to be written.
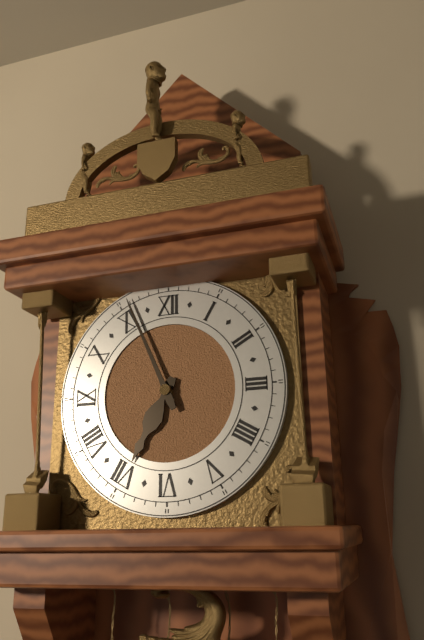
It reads {"hour": 6, "minute": 56}
